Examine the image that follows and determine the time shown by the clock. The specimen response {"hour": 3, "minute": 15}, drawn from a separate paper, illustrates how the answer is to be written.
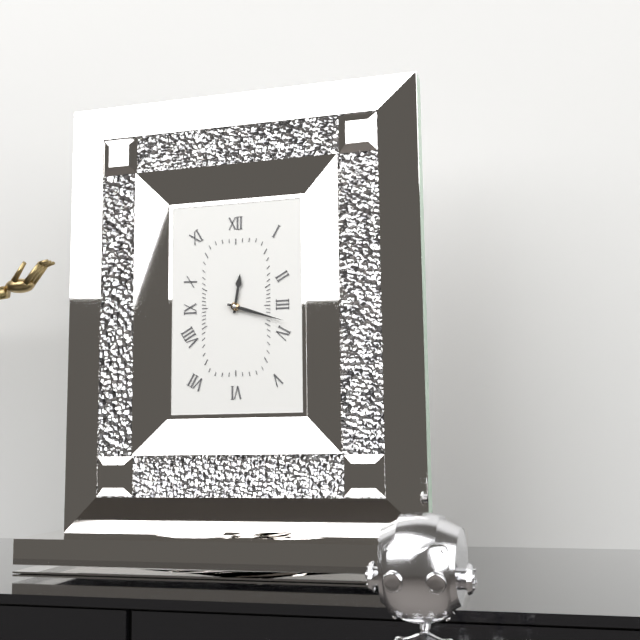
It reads {"hour": 12, "minute": 18}
